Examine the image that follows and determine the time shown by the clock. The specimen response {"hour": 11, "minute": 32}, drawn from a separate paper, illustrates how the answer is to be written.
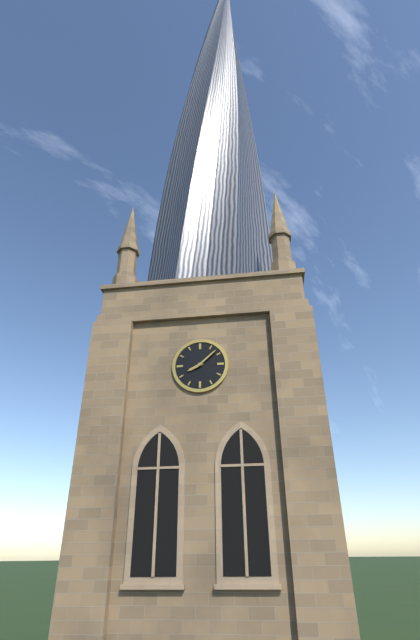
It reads {"hour": 8, "minute": 8}
